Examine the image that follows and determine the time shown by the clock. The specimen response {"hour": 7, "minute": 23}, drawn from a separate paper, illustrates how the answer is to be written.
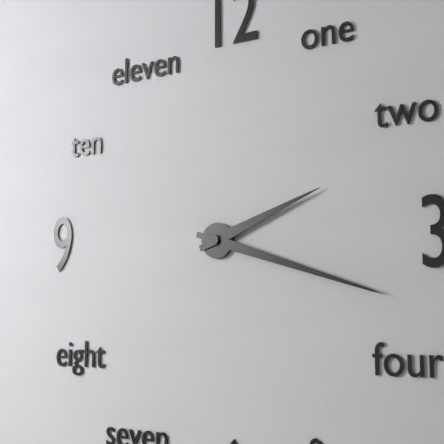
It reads {"hour": 2, "minute": 18}
